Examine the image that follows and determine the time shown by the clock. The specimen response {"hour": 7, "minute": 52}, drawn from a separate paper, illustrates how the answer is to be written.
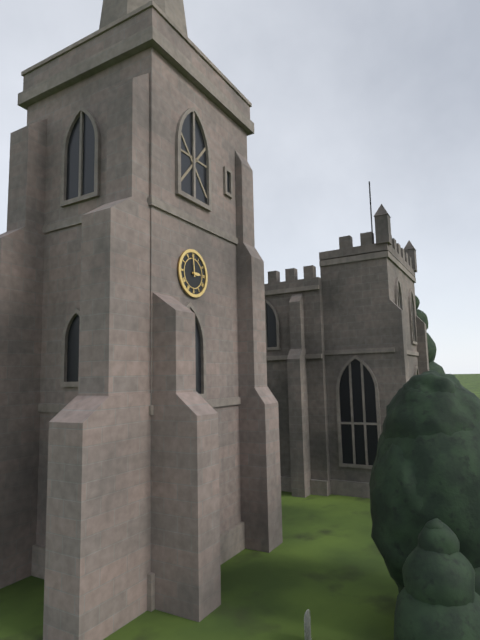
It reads {"hour": 2, "minute": 59}
